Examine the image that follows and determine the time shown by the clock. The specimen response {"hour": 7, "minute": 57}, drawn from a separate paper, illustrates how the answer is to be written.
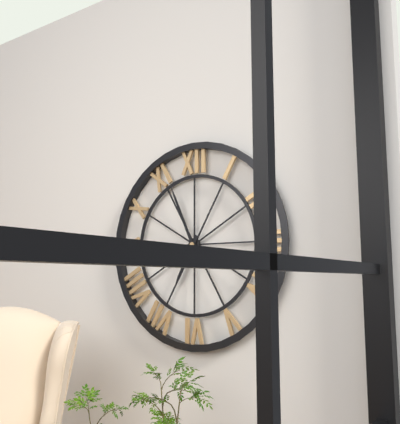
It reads {"hour": 6, "minute": 56}
